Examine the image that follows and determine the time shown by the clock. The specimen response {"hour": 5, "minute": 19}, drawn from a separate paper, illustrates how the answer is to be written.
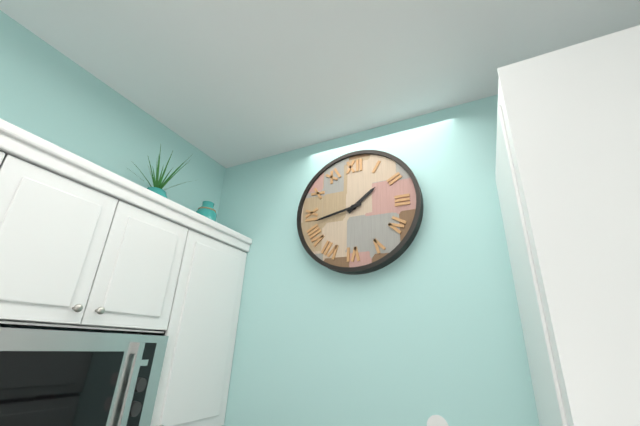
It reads {"hour": 1, "minute": 43}
